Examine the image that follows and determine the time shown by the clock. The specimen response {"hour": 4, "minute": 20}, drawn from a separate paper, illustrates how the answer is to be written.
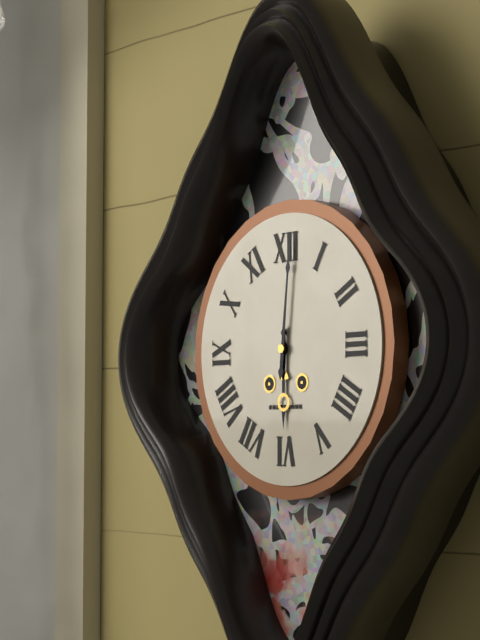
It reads {"hour": 6, "minute": 1}
